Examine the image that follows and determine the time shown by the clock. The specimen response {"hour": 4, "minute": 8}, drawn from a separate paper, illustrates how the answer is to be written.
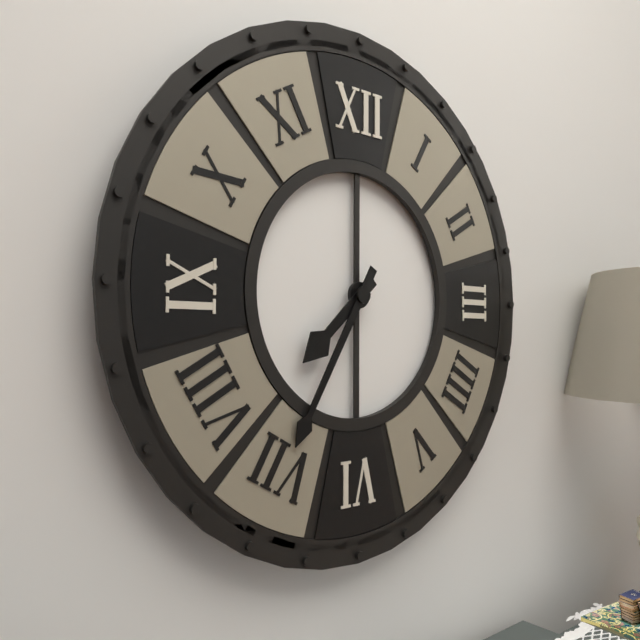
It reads {"hour": 7, "minute": 35}
